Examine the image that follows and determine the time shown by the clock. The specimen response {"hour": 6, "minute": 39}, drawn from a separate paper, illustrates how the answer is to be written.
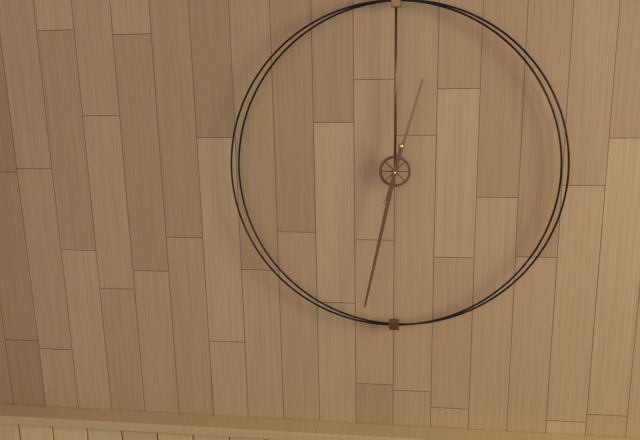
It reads {"hour": 12, "minute": 32}
